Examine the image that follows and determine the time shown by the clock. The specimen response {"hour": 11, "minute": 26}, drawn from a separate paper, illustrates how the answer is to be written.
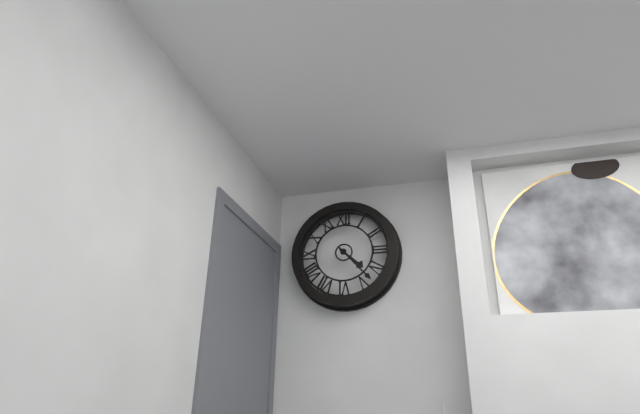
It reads {"hour": 4, "minute": 23}
